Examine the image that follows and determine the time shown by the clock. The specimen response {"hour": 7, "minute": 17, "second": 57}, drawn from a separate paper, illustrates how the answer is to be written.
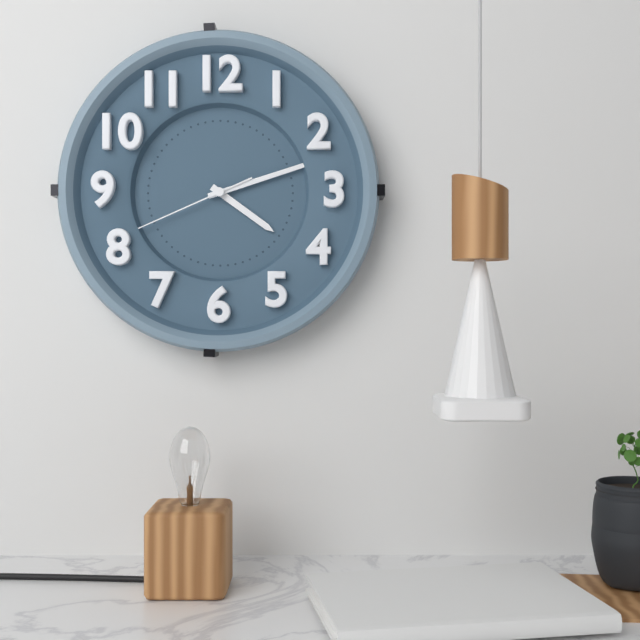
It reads {"hour": 4, "minute": 12, "second": 41}
